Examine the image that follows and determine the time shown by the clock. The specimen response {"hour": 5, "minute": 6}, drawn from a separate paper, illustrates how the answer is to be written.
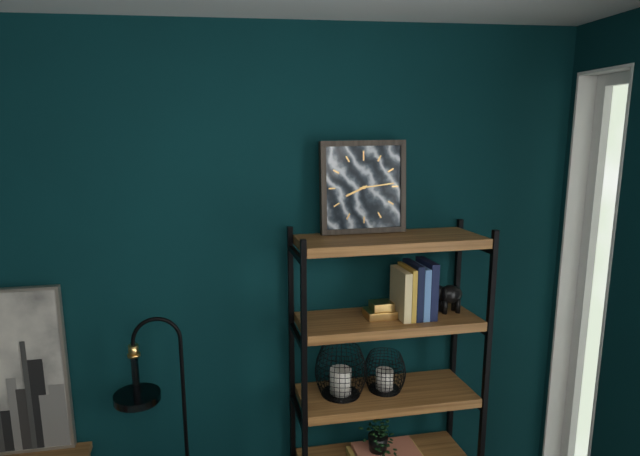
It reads {"hour": 8, "minute": 14}
